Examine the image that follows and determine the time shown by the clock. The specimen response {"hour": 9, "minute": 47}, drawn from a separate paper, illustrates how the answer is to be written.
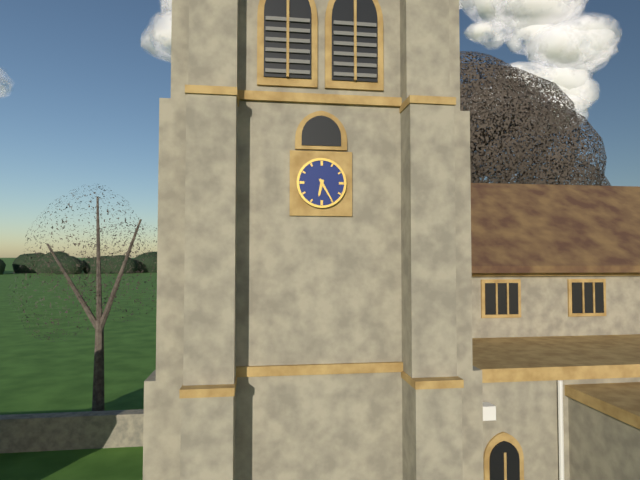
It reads {"hour": 6, "minute": 25}
